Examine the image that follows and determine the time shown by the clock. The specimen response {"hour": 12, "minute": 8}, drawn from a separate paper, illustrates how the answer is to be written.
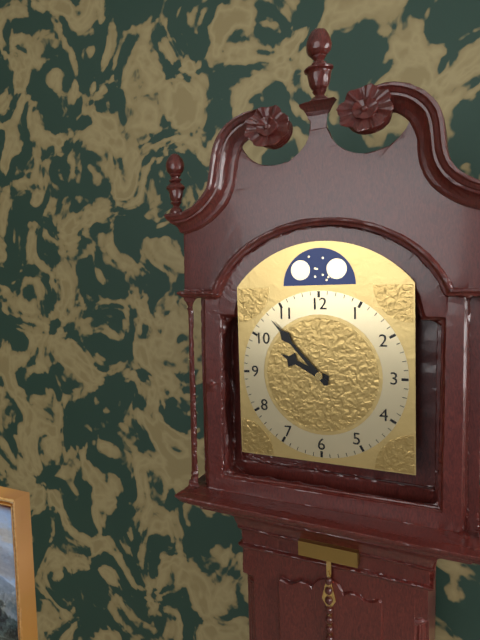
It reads {"hour": 9, "minute": 53}
